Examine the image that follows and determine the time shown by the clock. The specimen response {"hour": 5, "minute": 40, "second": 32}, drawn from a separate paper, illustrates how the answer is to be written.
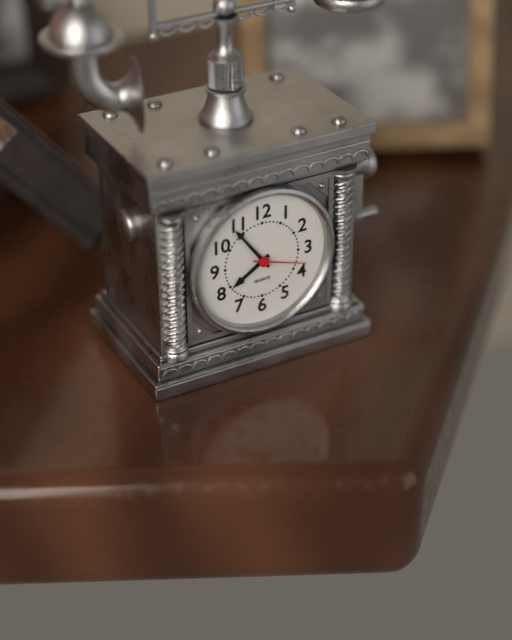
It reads {"hour": 7, "minute": 54, "second": 18}
